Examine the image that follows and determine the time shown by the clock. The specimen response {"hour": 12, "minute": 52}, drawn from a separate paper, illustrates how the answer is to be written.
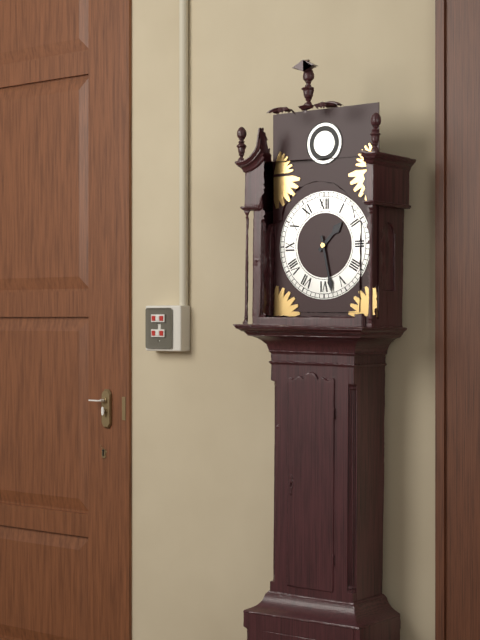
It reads {"hour": 1, "minute": 28}
